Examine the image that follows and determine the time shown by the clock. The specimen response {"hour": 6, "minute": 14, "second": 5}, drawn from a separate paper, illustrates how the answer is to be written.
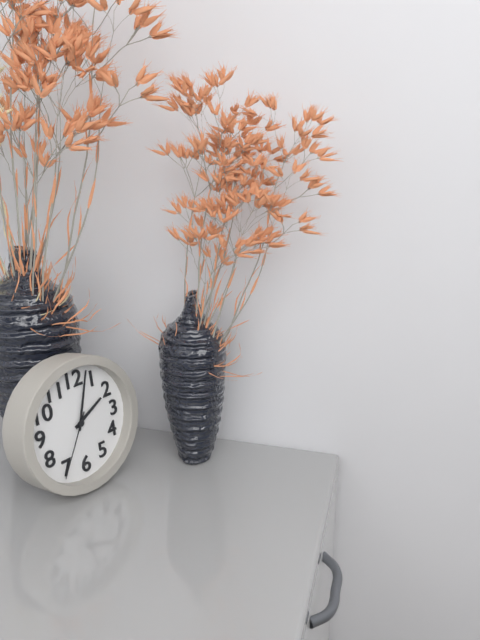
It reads {"hour": 2, "minute": 3, "second": 35}
